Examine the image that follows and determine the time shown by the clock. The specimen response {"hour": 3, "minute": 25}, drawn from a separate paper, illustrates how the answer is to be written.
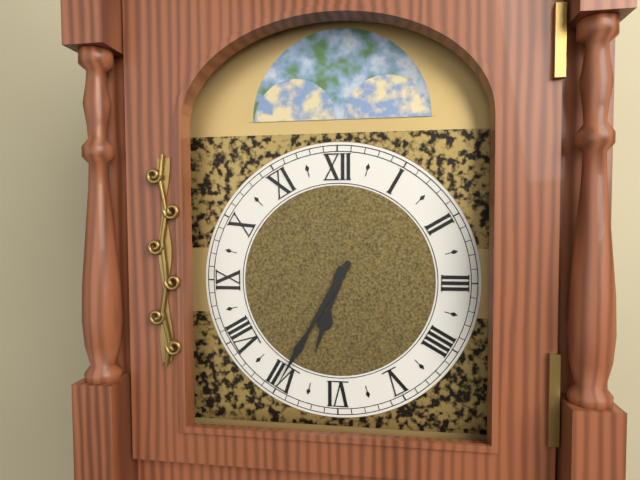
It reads {"hour": 6, "minute": 35}
